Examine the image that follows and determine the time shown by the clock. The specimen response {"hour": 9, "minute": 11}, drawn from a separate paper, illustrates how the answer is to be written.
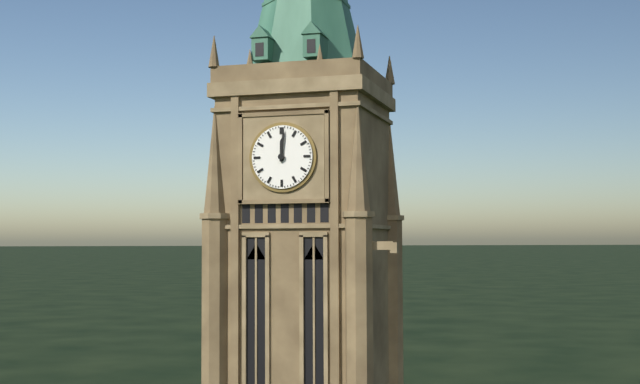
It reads {"hour": 12, "minute": 1}
